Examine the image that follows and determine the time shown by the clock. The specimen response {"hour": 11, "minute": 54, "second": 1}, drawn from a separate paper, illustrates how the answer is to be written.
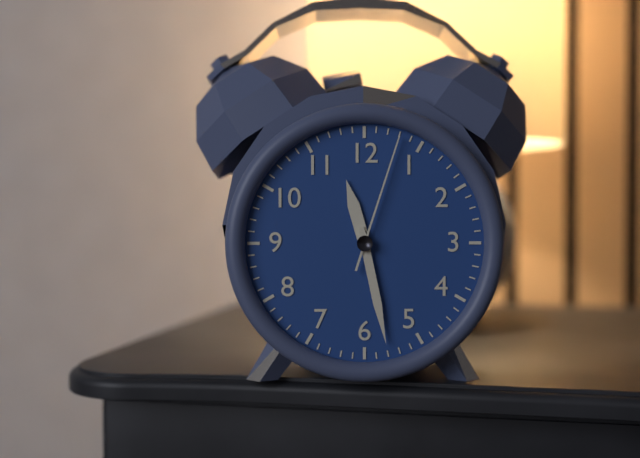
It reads {"hour": 11, "minute": 28, "second": 3}
